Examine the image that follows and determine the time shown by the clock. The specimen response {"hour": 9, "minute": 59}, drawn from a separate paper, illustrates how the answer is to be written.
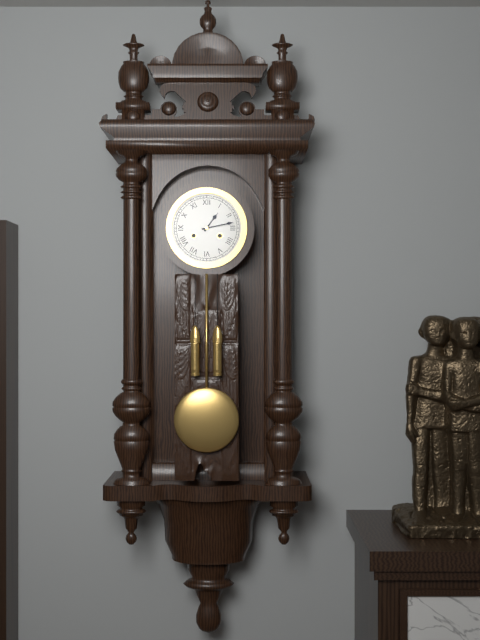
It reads {"hour": 1, "minute": 13}
